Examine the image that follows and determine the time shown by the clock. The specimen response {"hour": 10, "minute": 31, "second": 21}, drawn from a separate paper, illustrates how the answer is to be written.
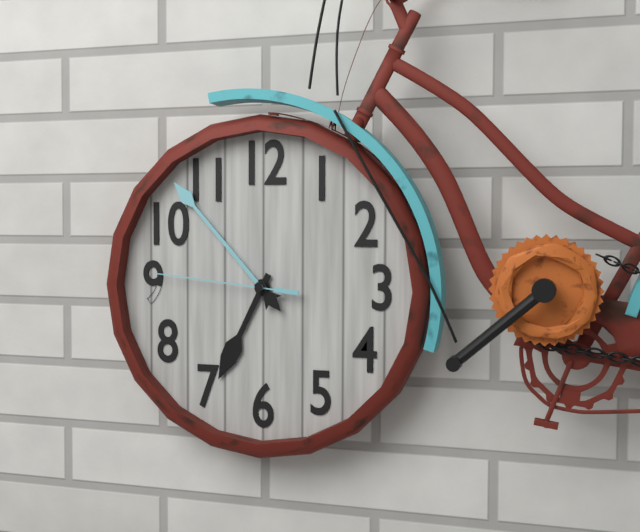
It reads {"hour": 6, "minute": 53, "second": 46}
